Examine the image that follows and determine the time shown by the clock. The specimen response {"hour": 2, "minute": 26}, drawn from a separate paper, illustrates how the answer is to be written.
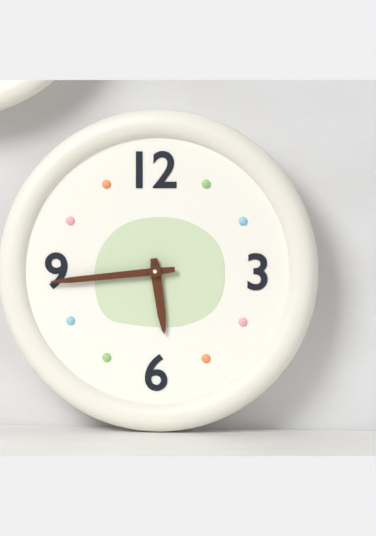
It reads {"hour": 5, "minute": 44}
